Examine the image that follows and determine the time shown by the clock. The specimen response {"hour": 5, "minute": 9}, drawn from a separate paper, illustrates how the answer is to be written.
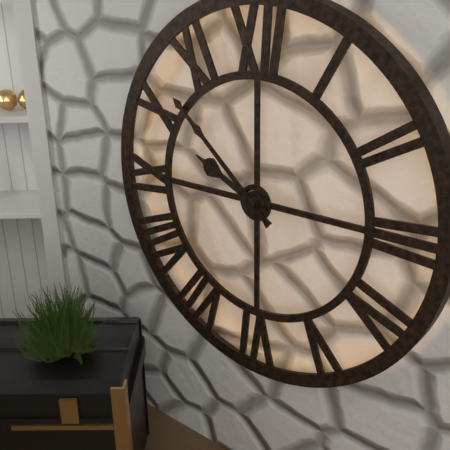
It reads {"hour": 9, "minute": 52}
